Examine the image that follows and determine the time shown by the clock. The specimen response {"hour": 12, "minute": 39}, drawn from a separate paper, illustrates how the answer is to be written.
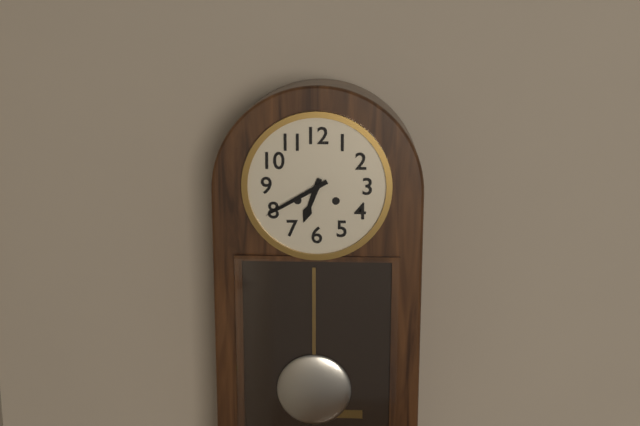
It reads {"hour": 6, "minute": 40}
